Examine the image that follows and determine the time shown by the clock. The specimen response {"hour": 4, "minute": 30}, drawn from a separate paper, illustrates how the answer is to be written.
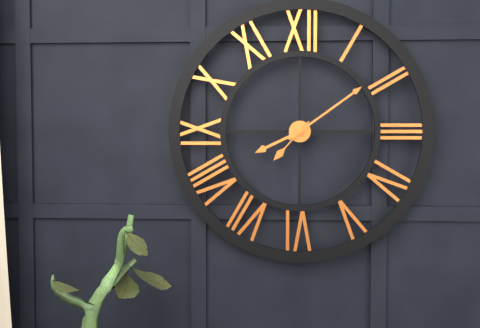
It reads {"hour": 8, "minute": 9}
